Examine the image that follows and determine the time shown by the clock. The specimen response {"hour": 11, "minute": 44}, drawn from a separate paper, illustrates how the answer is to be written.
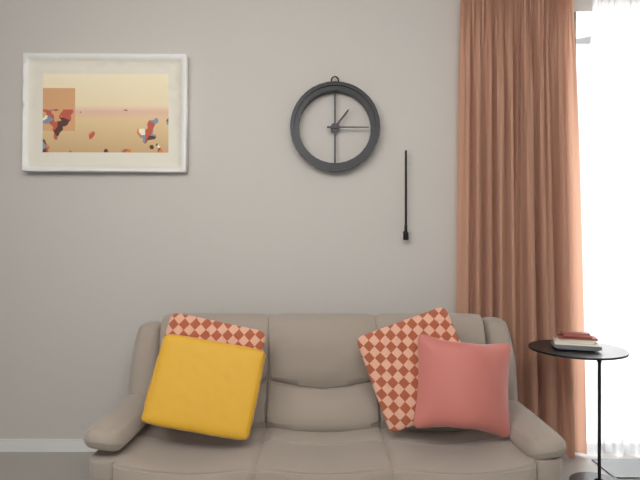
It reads {"hour": 1, "minute": 15}
